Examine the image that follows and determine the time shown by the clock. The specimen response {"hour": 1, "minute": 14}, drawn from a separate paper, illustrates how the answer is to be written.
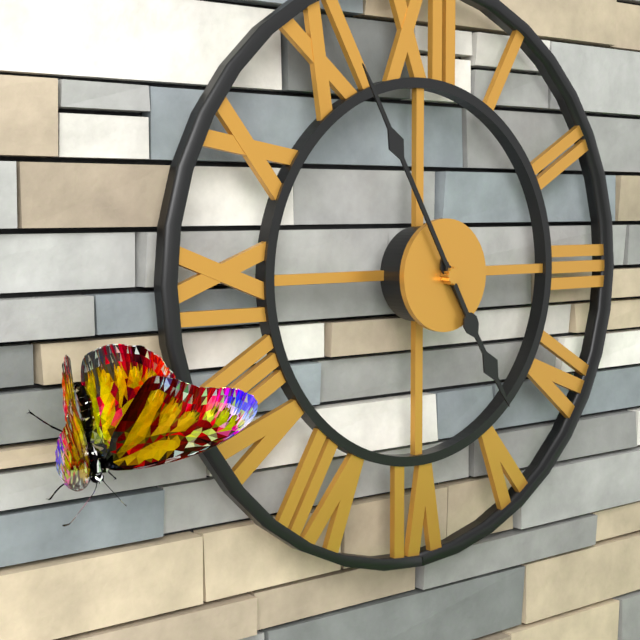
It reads {"hour": 4, "minute": 55}
